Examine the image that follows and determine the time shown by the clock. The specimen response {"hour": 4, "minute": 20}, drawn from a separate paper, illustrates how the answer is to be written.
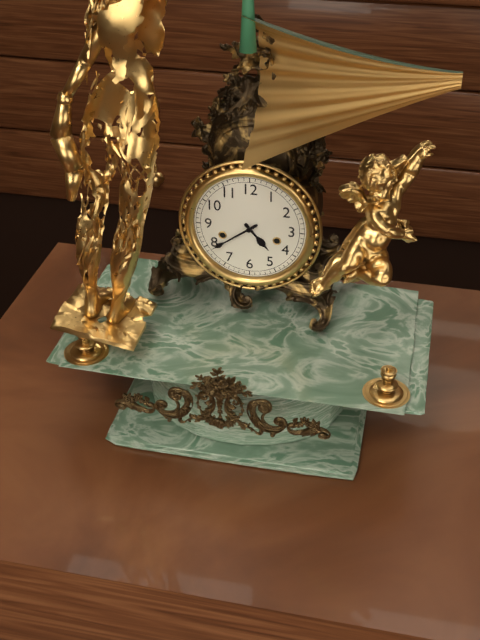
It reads {"hour": 4, "minute": 39}
